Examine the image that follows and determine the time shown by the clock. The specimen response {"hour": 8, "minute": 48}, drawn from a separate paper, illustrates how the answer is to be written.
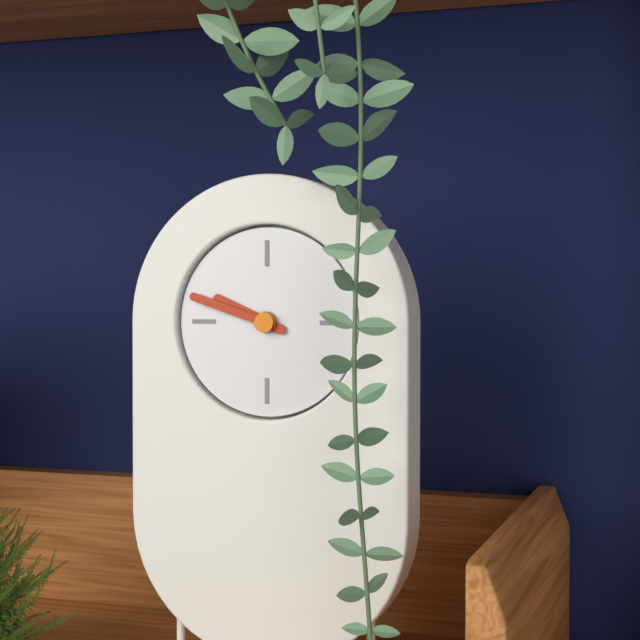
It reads {"hour": 9, "minute": 48}
